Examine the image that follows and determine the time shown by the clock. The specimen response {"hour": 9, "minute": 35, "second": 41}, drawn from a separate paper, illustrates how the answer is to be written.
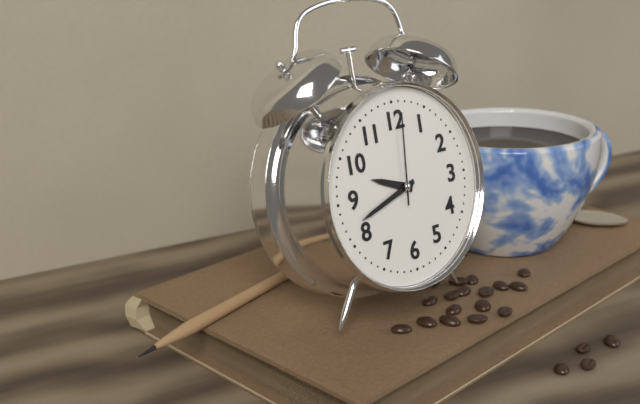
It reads {"hour": 9, "minute": 42, "second": 1}
